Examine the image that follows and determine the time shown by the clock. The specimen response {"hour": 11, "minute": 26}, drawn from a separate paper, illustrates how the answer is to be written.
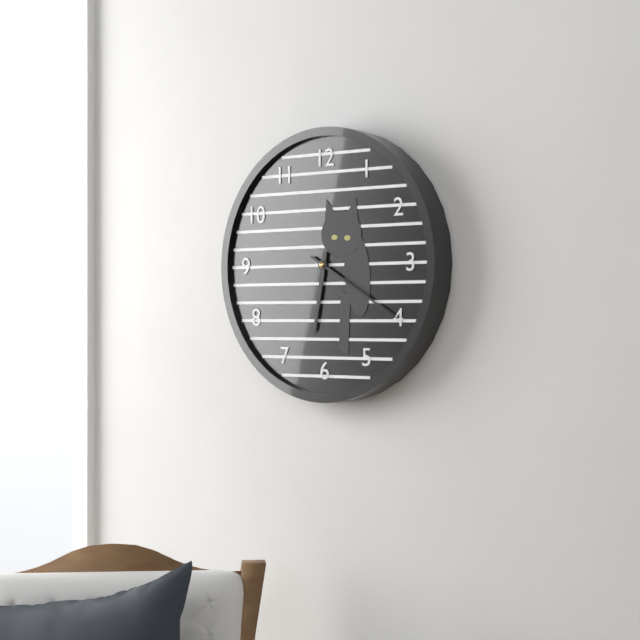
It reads {"hour": 6, "minute": 20}
